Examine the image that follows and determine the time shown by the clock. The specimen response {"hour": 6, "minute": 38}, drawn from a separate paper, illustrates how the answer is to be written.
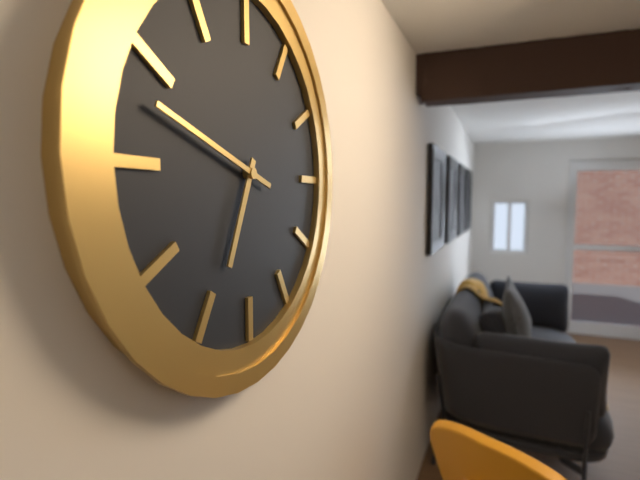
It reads {"hour": 6, "minute": 48}
